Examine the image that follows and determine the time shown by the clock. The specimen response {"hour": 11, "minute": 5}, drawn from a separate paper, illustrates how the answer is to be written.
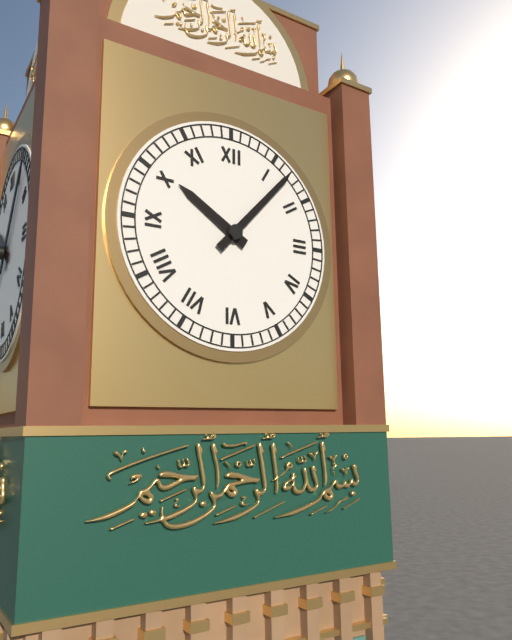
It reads {"hour": 10, "minute": 7}
